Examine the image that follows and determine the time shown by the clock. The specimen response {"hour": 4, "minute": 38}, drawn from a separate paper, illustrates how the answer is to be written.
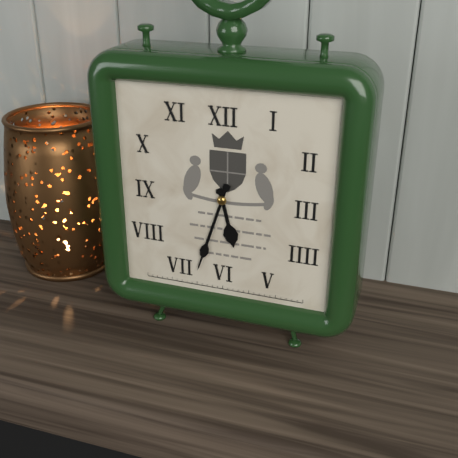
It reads {"hour": 5, "minute": 33}
